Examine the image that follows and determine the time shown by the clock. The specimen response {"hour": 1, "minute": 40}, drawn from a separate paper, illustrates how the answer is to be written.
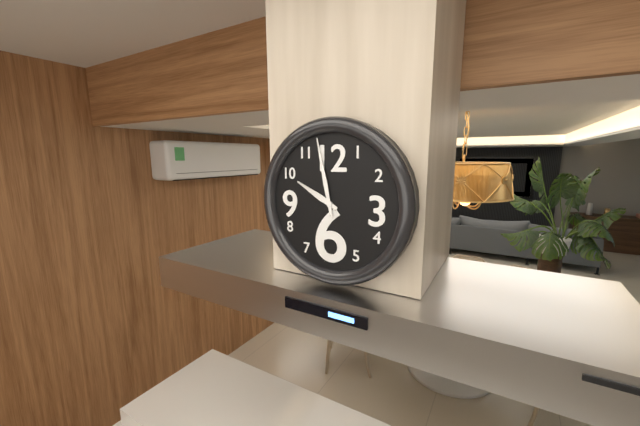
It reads {"hour": 9, "minute": 58}
